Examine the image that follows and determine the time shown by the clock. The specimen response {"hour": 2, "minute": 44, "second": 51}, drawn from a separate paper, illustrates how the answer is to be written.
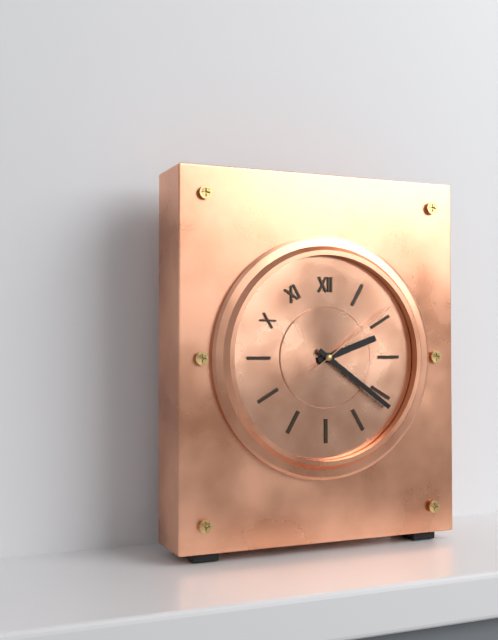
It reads {"hour": 2, "minute": 21, "second": 9}
